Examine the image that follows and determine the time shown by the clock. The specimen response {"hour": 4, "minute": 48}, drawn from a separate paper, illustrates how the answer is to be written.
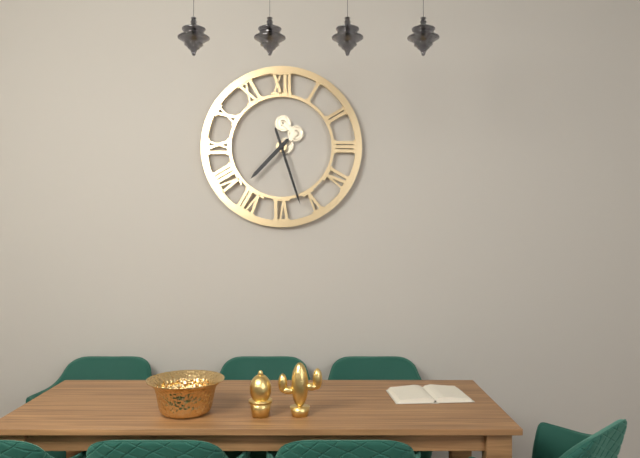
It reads {"hour": 7, "minute": 27}
